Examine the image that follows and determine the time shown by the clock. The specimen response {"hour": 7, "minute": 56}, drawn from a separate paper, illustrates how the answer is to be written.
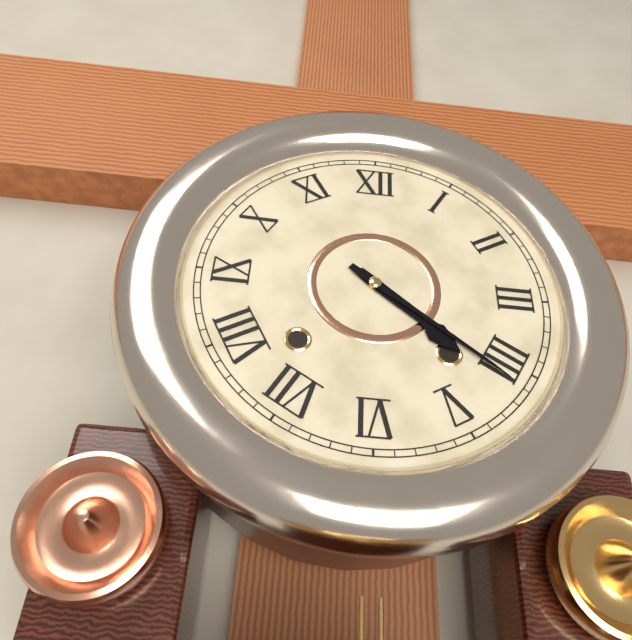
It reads {"hour": 4, "minute": 21}
